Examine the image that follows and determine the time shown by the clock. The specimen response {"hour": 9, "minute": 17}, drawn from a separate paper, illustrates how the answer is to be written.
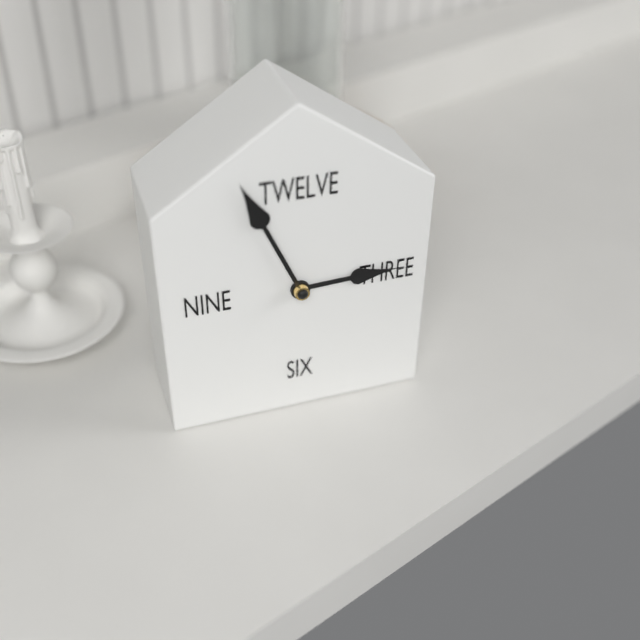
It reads {"hour": 2, "minute": 56}
